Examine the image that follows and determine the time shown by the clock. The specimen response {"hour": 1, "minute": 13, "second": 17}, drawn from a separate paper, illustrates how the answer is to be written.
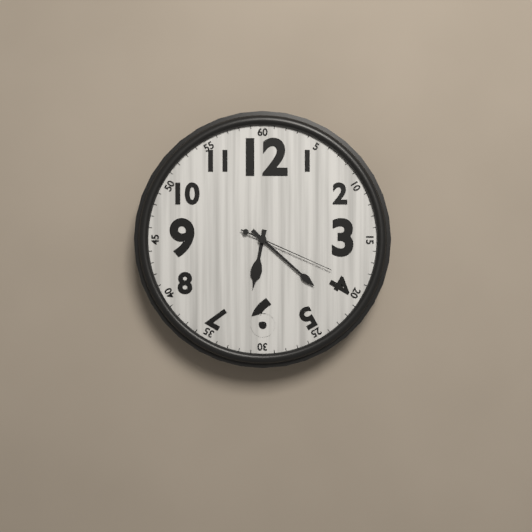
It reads {"hour": 6, "minute": 22, "second": 19}
